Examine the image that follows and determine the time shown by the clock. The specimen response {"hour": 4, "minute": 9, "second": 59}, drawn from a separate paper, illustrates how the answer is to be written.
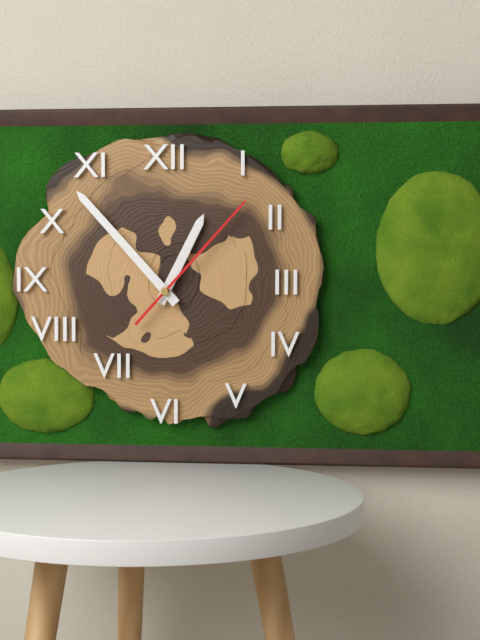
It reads {"hour": 12, "minute": 53, "second": 7}
